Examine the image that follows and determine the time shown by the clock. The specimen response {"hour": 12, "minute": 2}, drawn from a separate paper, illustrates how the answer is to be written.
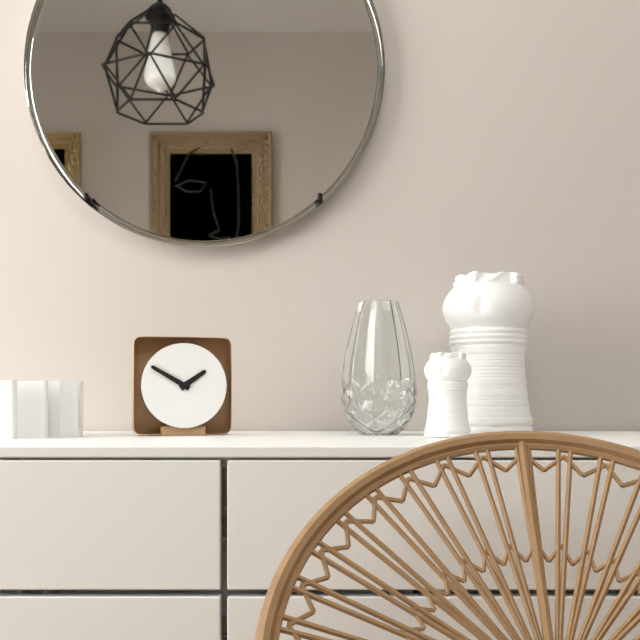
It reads {"hour": 1, "minute": 50}
